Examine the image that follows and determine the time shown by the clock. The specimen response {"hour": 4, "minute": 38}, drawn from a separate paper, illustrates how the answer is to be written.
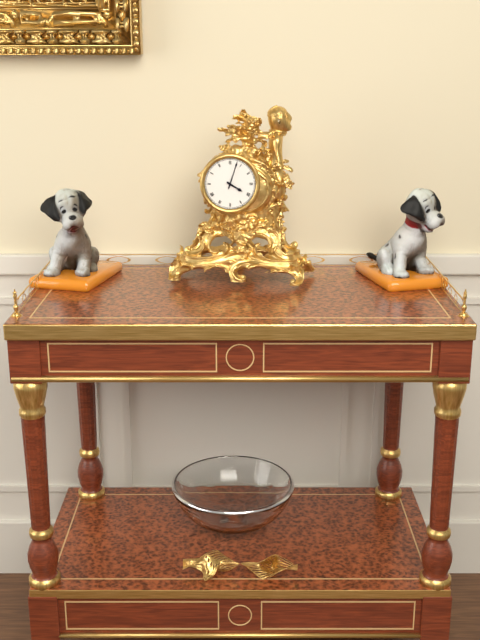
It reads {"hour": 4, "minute": 3}
